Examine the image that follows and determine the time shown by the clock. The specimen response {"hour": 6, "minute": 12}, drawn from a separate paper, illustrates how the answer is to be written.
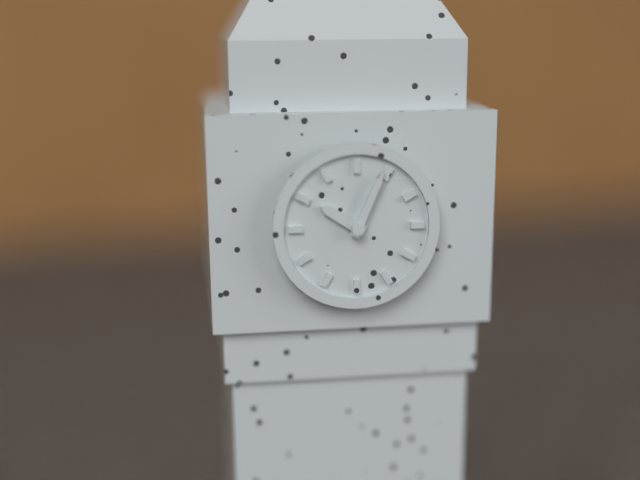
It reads {"hour": 10, "minute": 4}
